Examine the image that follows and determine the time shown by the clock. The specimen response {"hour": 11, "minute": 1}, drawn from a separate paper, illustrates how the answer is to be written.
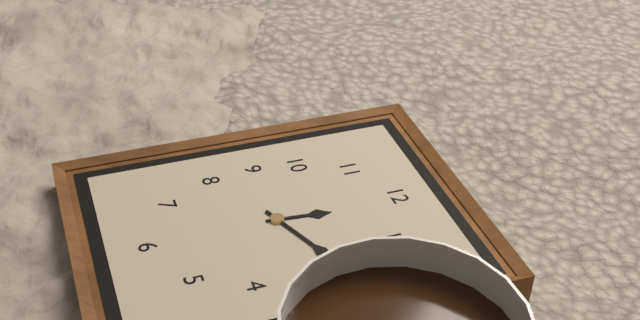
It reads {"hour": 12, "minute": 11}
